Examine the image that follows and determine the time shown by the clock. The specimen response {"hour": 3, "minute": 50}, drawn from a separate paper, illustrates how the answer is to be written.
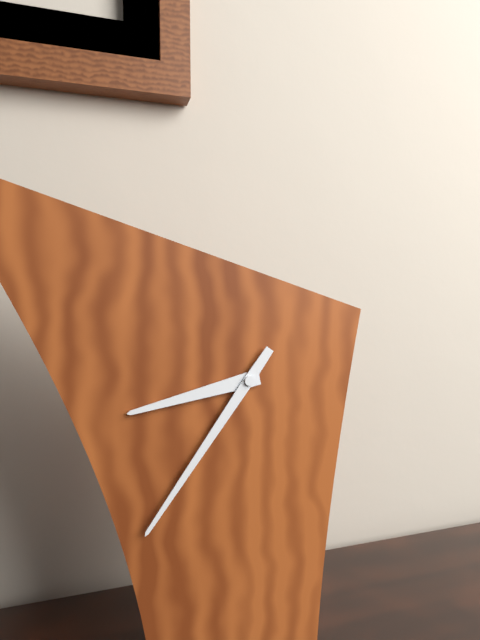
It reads {"hour": 8, "minute": 36}
